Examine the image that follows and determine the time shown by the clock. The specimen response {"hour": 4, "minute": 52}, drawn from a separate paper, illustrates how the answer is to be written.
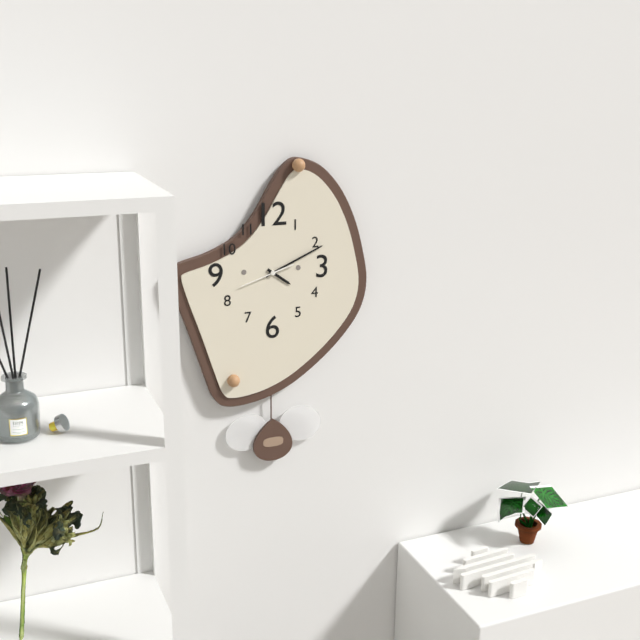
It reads {"hour": 4, "minute": 11}
